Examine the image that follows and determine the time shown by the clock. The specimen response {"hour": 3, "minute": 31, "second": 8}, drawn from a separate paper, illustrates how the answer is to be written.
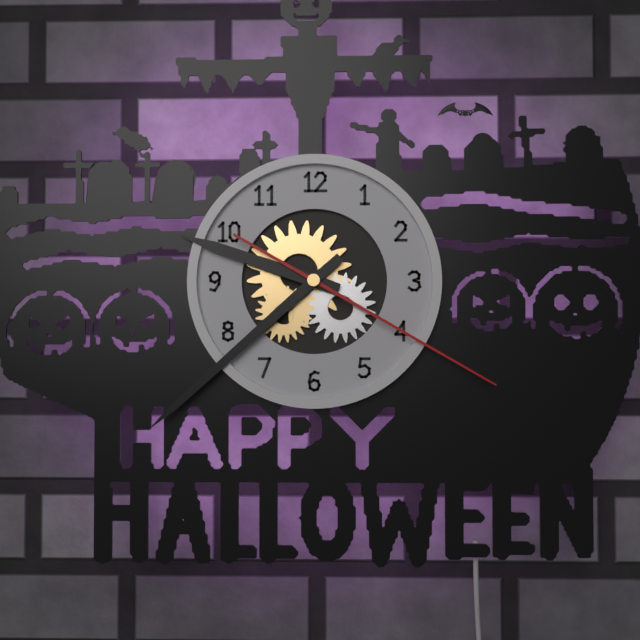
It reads {"hour": 9, "minute": 38, "second": 20}
